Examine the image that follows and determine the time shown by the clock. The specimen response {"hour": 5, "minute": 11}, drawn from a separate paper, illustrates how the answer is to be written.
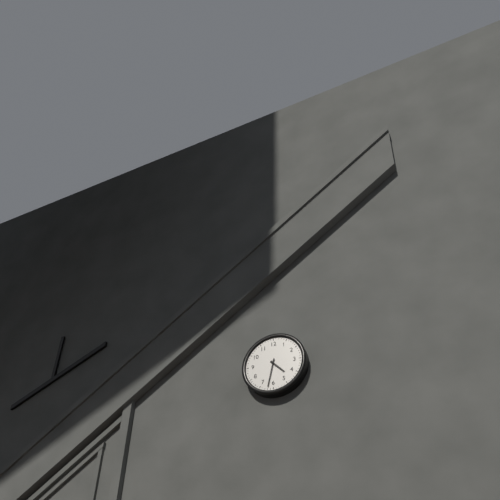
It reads {"hour": 4, "minute": 32}
